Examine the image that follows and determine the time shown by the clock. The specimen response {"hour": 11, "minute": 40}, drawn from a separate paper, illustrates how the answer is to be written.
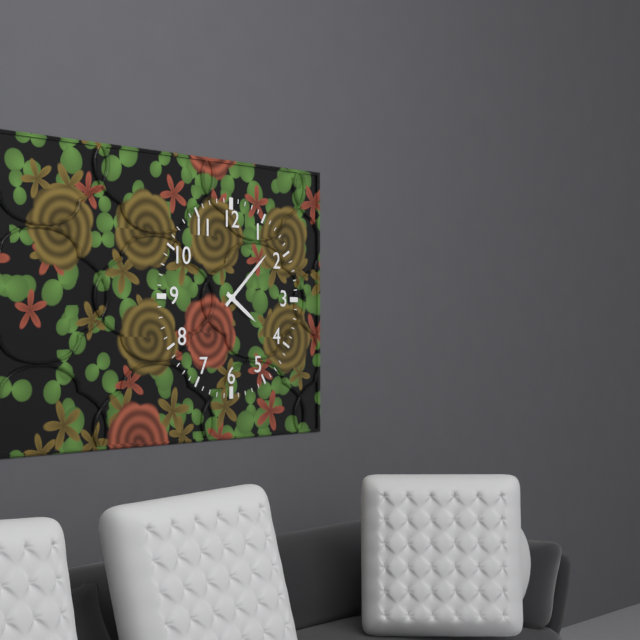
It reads {"hour": 4, "minute": 8}
